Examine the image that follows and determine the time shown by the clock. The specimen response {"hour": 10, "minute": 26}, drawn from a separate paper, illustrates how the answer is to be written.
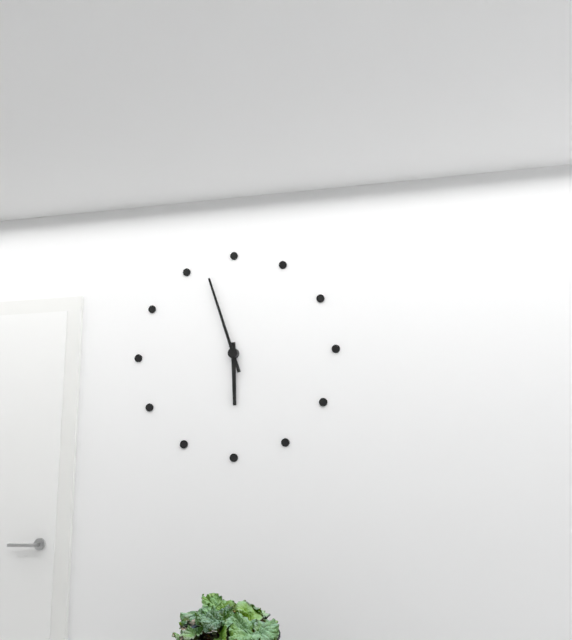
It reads {"hour": 5, "minute": 57}
